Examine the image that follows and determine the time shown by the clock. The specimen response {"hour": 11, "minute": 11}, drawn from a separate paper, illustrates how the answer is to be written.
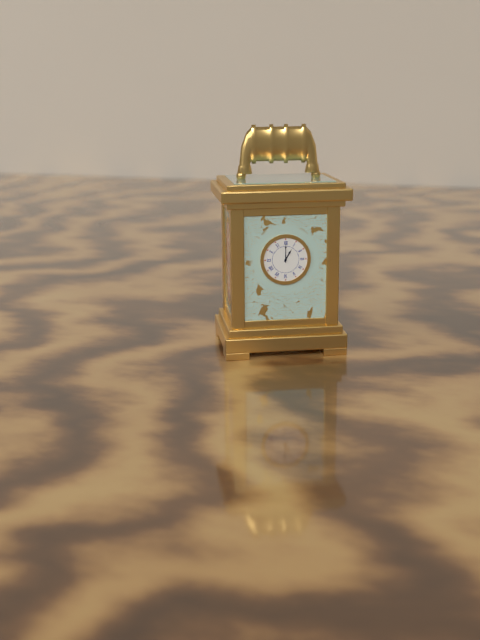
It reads {"hour": 1, "minute": 0}
